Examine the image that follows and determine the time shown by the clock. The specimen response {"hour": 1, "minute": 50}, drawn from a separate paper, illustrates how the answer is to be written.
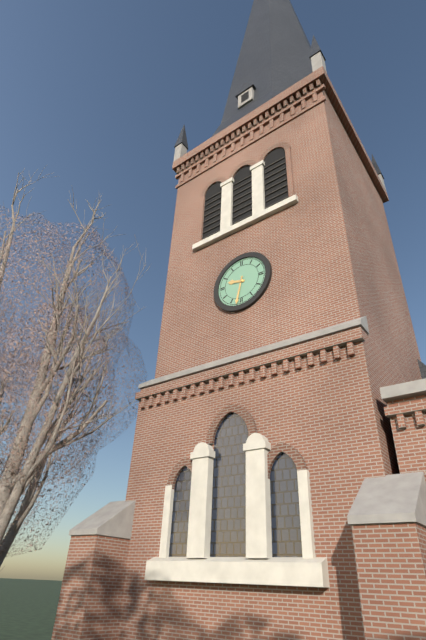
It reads {"hour": 9, "minute": 32}
